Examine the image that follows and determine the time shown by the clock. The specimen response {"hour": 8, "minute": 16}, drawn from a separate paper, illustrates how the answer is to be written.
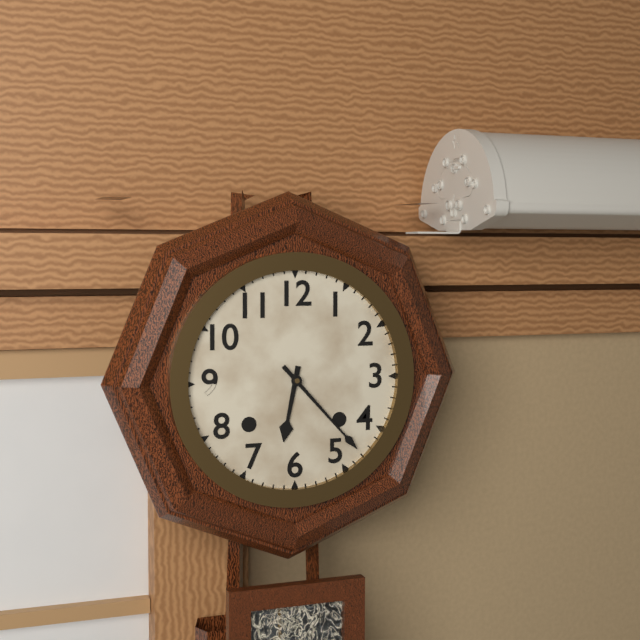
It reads {"hour": 6, "minute": 23}
